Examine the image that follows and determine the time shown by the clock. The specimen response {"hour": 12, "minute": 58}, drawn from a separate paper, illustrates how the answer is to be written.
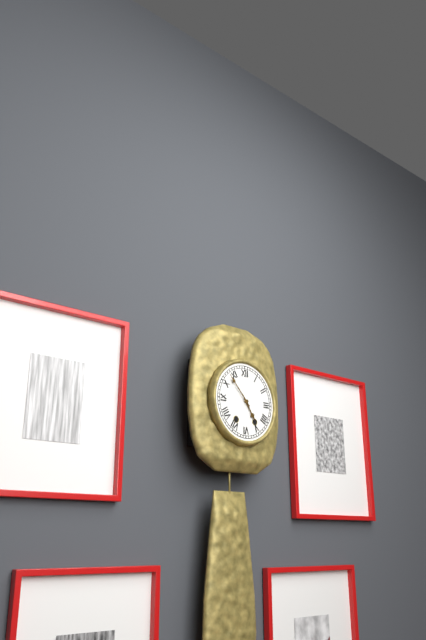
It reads {"hour": 4, "minute": 53}
